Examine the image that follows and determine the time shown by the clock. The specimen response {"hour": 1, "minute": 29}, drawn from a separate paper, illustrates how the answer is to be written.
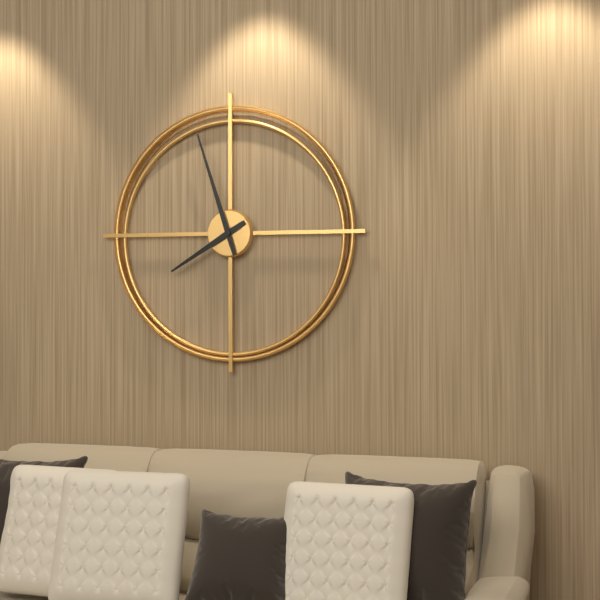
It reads {"hour": 7, "minute": 57}
